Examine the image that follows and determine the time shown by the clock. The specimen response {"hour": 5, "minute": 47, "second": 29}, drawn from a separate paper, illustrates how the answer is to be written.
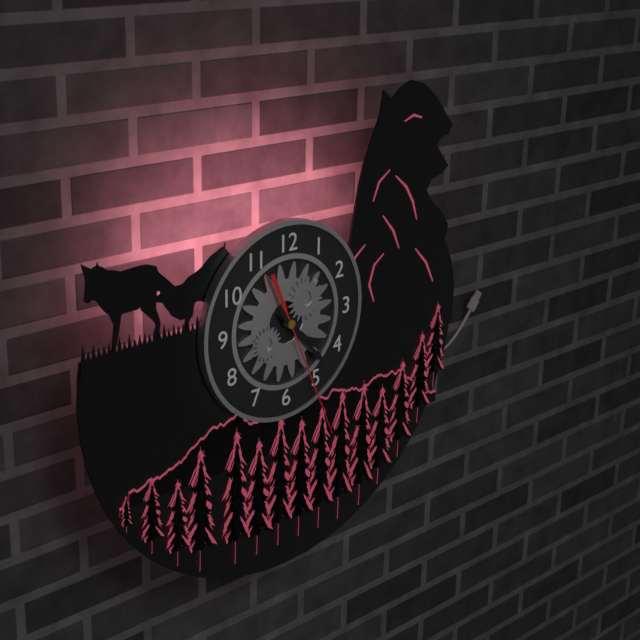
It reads {"hour": 4, "minute": 23, "second": 26}
